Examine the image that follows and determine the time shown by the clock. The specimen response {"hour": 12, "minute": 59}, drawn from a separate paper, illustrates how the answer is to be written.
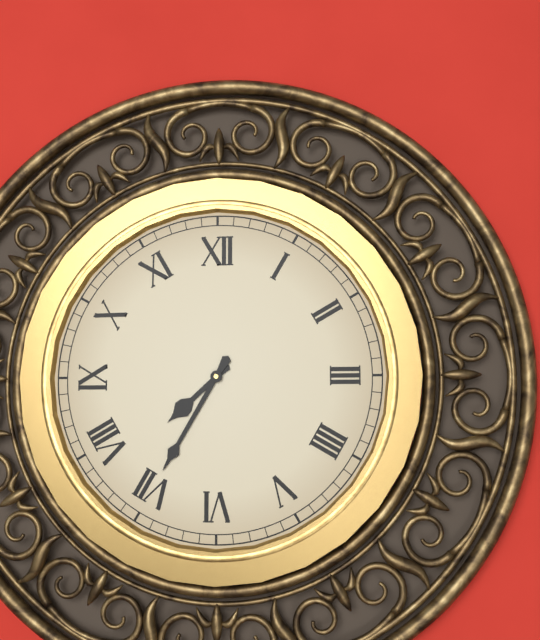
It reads {"hour": 7, "minute": 35}
